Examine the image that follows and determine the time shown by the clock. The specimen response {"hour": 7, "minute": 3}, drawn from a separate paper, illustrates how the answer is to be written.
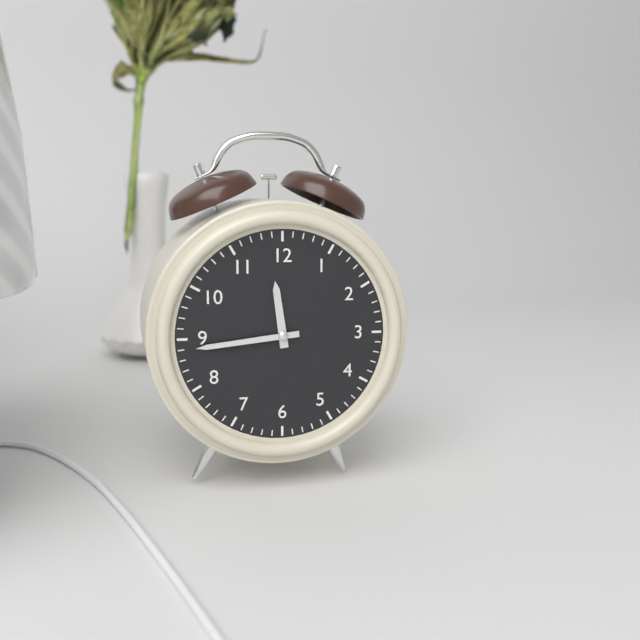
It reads {"hour": 11, "minute": 44}
